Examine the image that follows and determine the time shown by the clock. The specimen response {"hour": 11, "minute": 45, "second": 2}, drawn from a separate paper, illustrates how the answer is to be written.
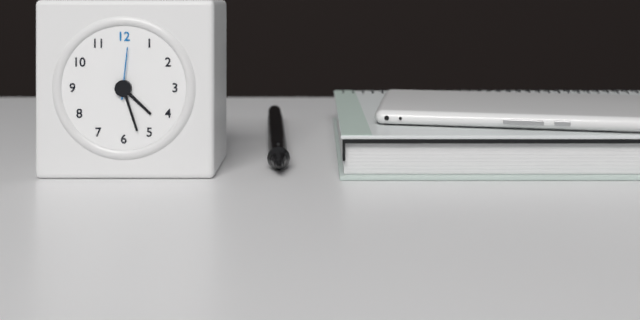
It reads {"hour": 4, "minute": 27, "second": 1}
